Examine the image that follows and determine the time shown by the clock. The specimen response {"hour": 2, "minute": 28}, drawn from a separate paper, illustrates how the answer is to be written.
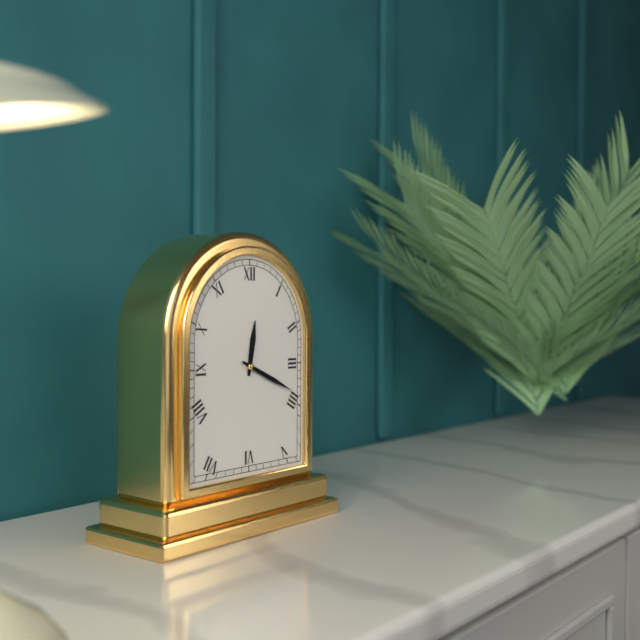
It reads {"hour": 12, "minute": 19}
